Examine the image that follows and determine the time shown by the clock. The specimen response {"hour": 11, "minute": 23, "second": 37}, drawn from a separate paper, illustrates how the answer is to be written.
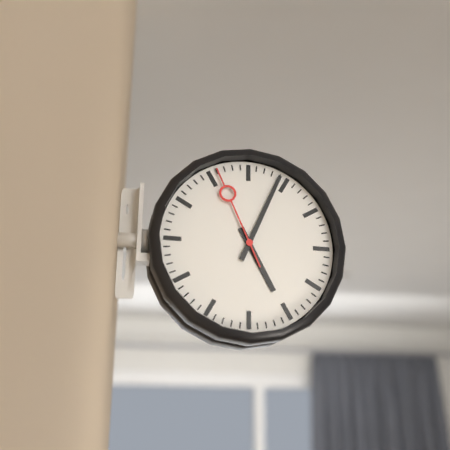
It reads {"hour": 5, "minute": 4, "second": 56}
